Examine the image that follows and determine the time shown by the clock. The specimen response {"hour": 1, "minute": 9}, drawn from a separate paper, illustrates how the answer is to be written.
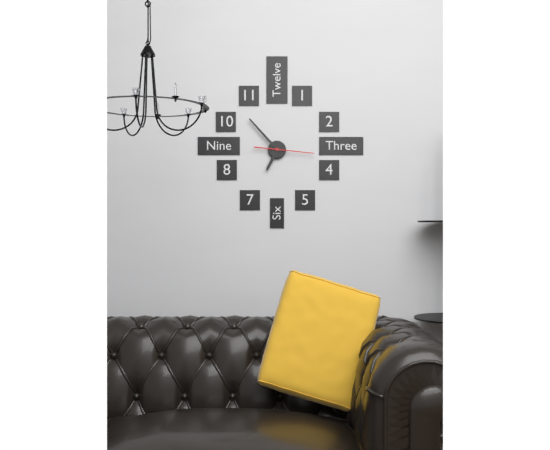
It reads {"hour": 6, "minute": 53}
